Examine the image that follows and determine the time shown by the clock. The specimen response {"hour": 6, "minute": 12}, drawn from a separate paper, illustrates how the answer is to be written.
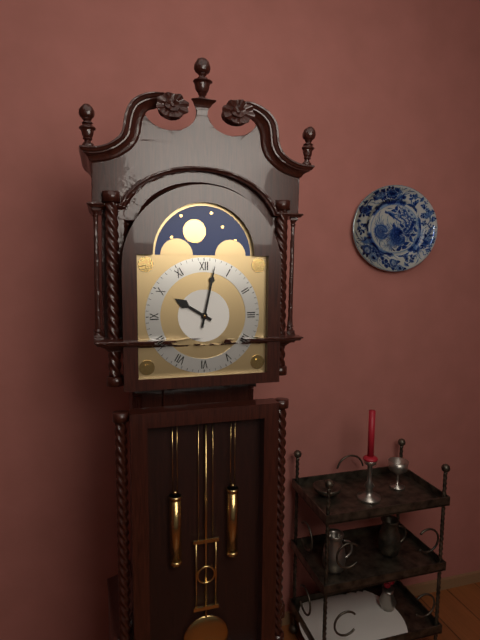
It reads {"hour": 10, "minute": 2}
